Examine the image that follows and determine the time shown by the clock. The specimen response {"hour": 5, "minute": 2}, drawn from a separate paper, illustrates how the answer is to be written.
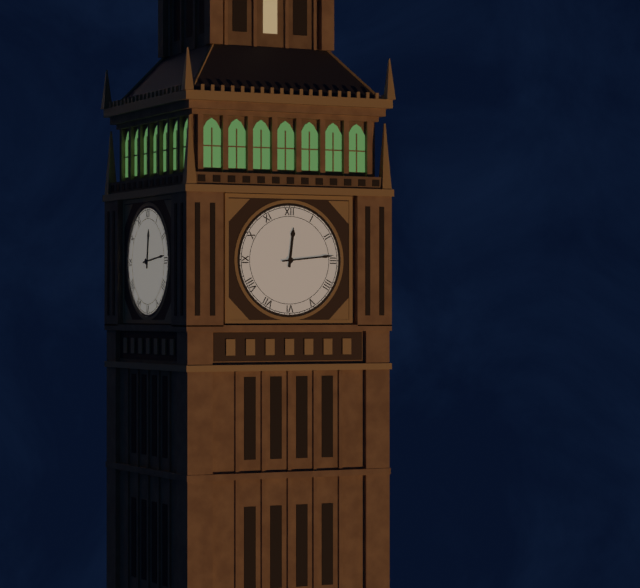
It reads {"hour": 12, "minute": 14}
